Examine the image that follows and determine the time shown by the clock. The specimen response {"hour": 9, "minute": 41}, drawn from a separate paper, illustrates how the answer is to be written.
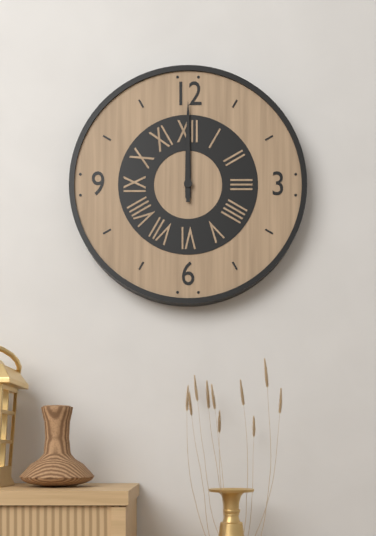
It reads {"hour": 12, "minute": 0}
